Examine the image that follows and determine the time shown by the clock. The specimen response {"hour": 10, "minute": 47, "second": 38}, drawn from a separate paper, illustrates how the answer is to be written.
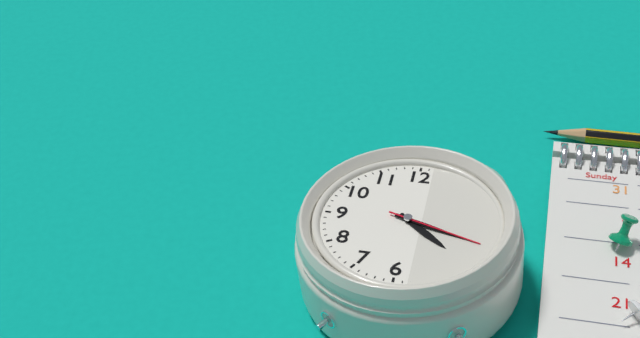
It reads {"hour": 4, "minute": 18, "second": 18}
